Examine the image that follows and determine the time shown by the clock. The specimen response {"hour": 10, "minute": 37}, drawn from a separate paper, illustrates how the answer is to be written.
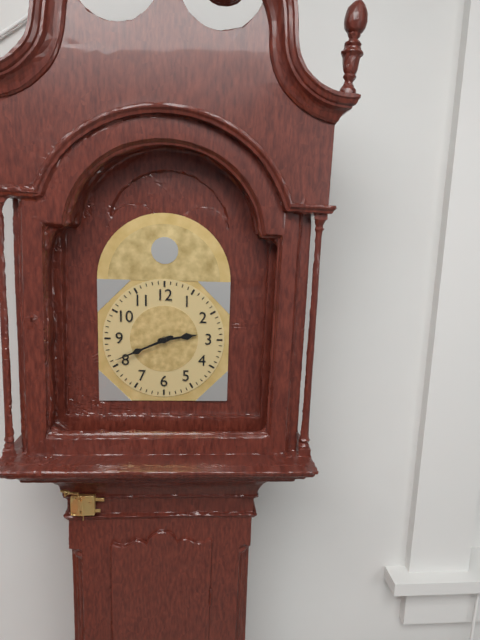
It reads {"hour": 2, "minute": 41}
